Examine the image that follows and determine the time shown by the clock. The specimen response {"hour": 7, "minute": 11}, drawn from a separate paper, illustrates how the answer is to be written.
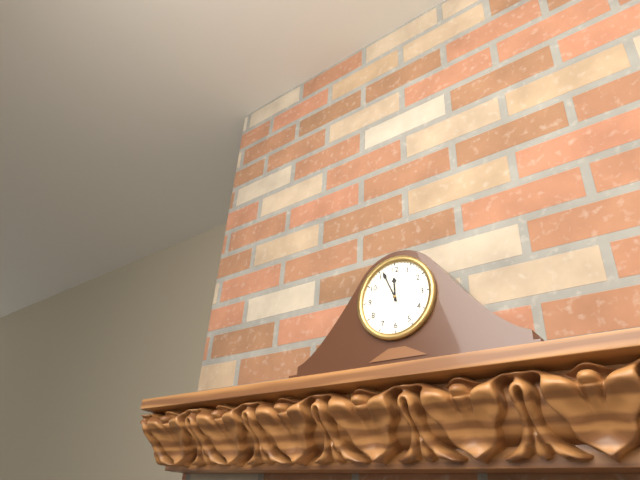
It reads {"hour": 11, "minute": 56}
